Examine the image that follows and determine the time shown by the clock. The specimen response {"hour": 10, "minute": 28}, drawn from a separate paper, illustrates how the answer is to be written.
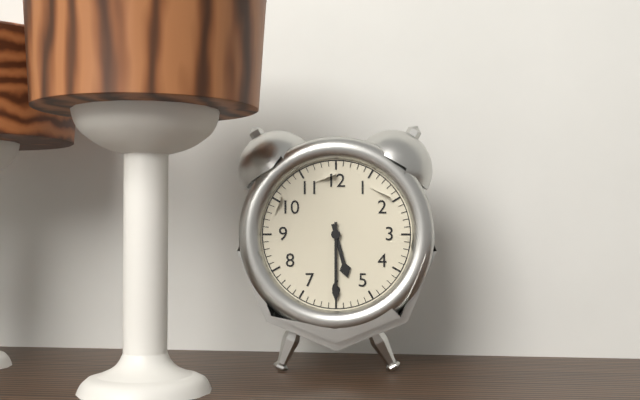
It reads {"hour": 5, "minute": 30}
